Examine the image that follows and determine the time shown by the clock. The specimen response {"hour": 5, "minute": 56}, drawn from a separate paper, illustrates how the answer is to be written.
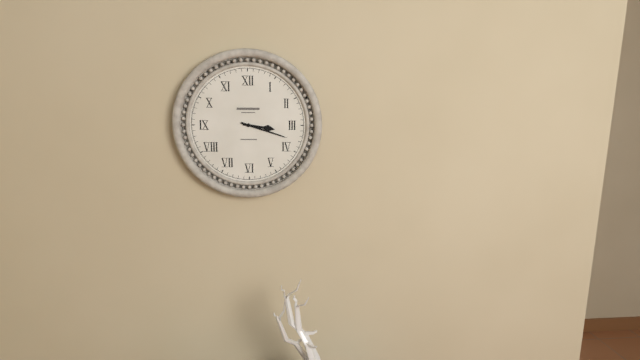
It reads {"hour": 3, "minute": 18}
